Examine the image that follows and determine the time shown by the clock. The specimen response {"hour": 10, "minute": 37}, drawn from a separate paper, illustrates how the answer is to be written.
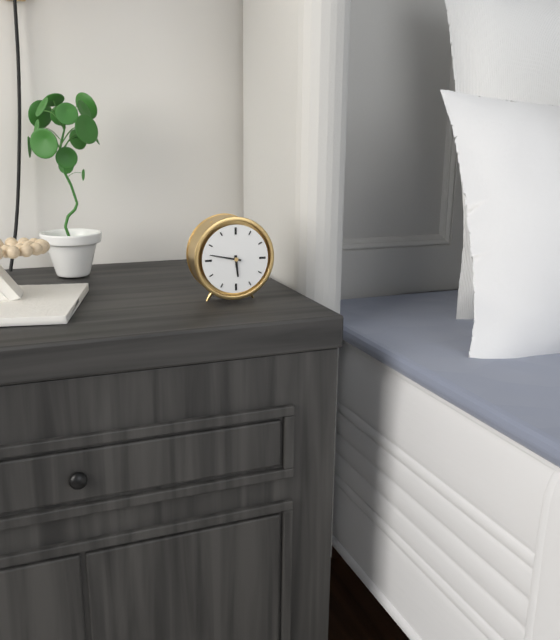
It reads {"hour": 5, "minute": 47}
